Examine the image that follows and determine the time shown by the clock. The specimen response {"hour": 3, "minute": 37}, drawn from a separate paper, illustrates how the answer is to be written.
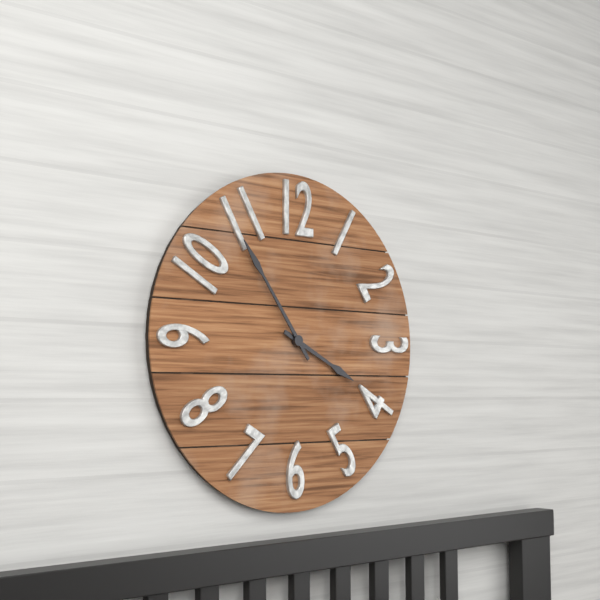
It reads {"hour": 3, "minute": 54}
